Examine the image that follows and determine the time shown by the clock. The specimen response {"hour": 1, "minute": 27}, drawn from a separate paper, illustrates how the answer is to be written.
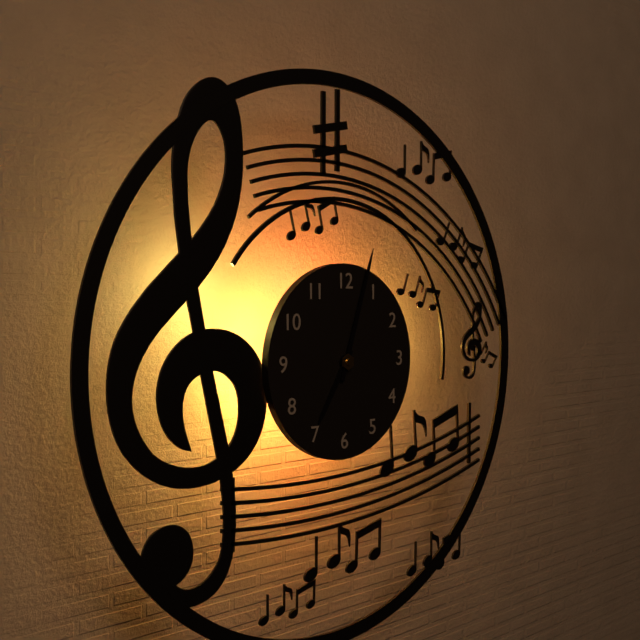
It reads {"hour": 7, "minute": 3}
